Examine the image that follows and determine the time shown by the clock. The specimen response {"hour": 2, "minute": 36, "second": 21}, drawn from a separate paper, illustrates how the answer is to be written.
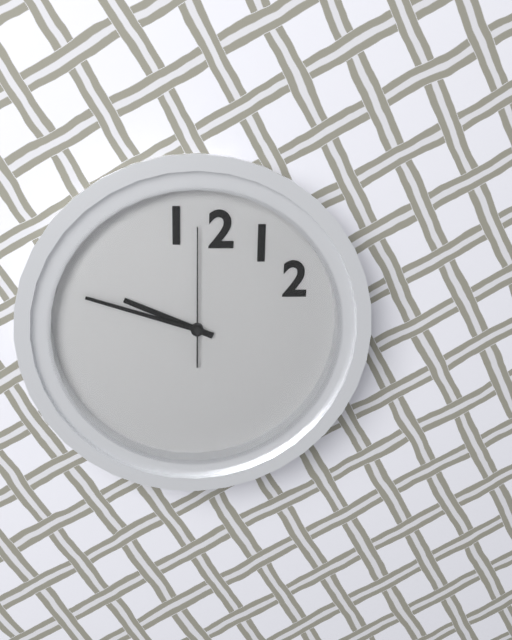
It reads {"hour": 9, "minute": 48, "second": 0}
